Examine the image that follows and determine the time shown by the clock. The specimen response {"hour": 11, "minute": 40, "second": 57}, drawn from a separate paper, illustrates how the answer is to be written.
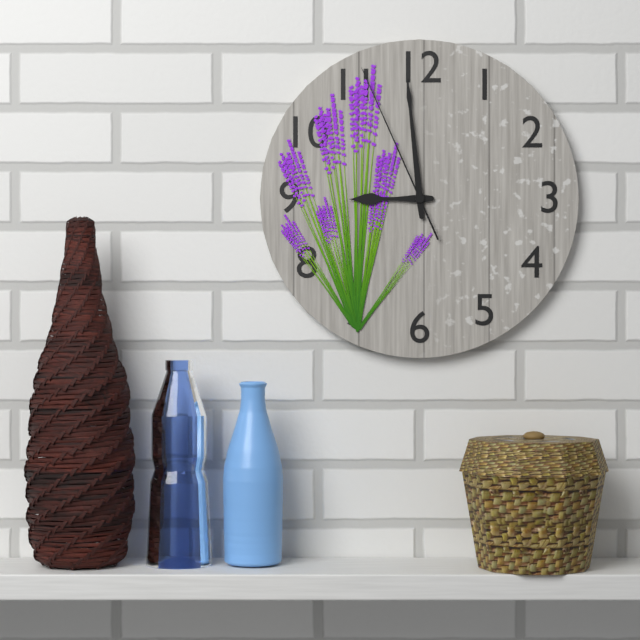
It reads {"hour": 8, "minute": 59, "second": 56}
